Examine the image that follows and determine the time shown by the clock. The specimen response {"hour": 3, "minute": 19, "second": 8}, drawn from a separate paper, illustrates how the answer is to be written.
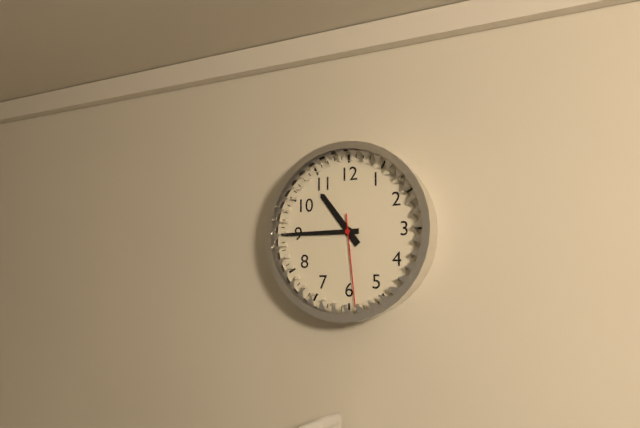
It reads {"hour": 10, "minute": 45, "second": 29}
